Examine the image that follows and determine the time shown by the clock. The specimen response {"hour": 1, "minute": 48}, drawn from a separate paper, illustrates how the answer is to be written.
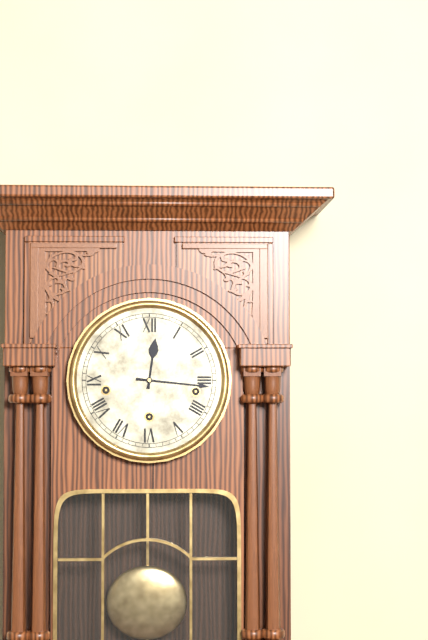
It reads {"hour": 12, "minute": 16}
